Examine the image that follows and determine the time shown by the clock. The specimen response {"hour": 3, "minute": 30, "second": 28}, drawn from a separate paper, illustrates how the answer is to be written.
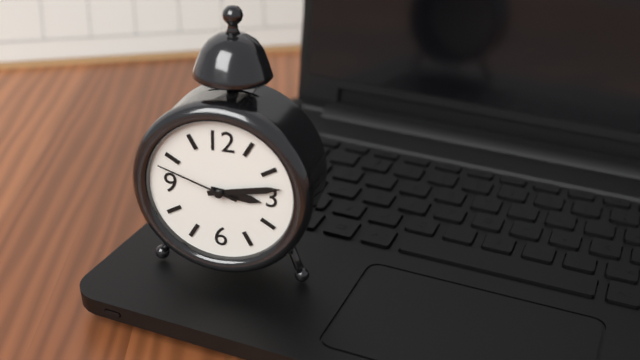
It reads {"hour": 3, "minute": 13, "second": 48}
